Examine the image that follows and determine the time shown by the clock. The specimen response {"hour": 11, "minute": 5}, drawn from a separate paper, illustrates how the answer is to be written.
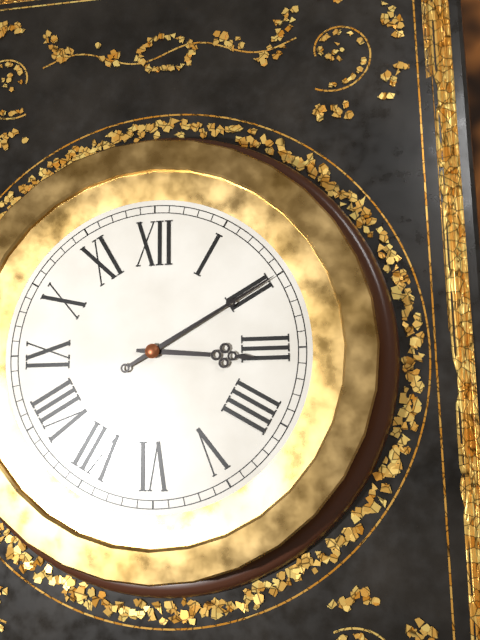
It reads {"hour": 3, "minute": 10}
